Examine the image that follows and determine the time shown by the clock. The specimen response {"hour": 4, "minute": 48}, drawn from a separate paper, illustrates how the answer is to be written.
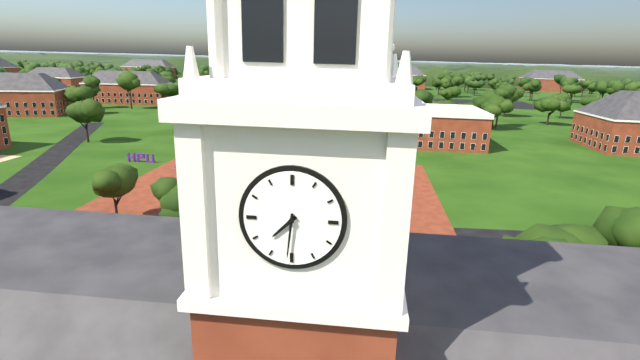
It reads {"hour": 7, "minute": 31}
